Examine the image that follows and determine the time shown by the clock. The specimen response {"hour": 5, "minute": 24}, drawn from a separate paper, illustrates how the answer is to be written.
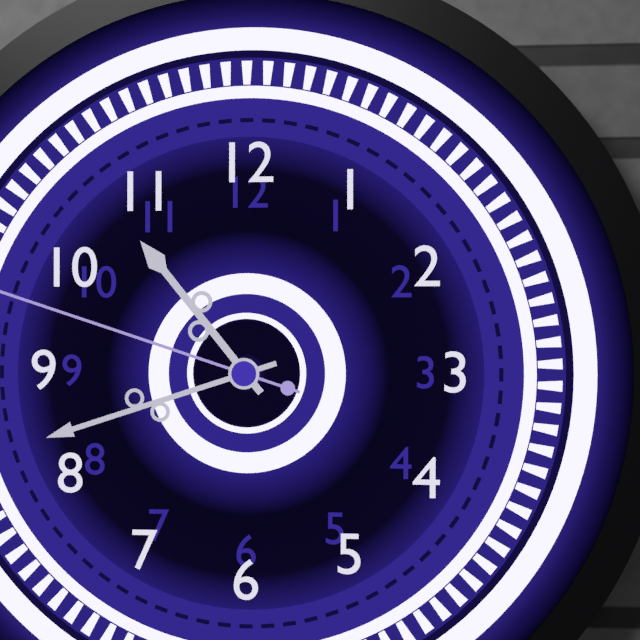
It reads {"hour": 10, "minute": 42}
